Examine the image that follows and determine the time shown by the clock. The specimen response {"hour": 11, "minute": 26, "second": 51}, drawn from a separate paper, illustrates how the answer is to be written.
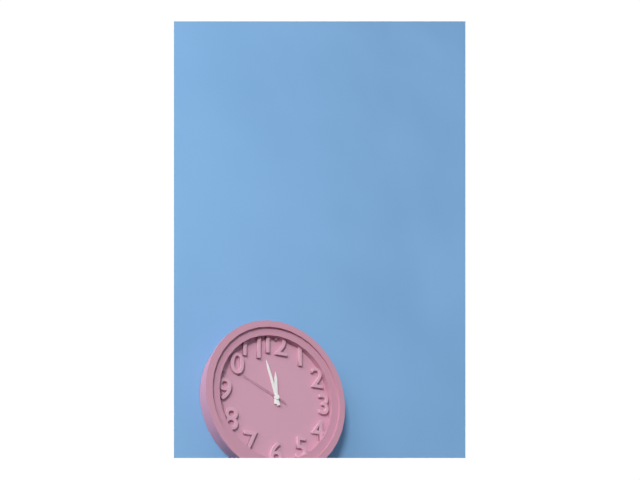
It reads {"hour": 11, "minute": 57, "second": 49}
